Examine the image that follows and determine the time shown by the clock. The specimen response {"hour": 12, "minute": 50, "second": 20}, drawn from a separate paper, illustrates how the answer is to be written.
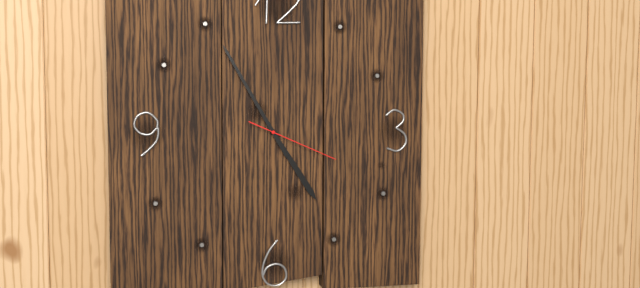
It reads {"hour": 4, "minute": 55, "second": 19}
